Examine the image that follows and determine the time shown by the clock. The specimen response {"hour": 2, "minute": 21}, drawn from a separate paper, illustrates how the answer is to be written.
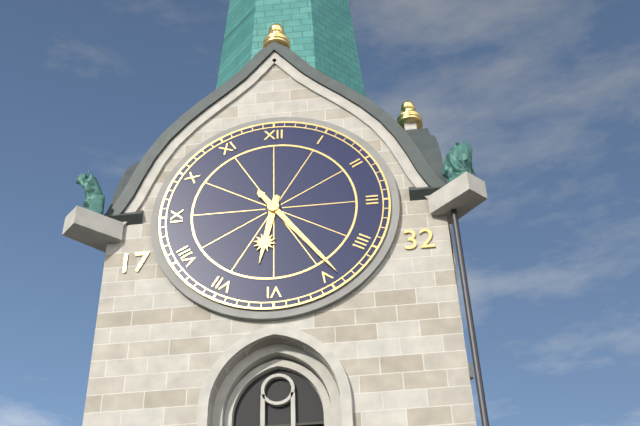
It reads {"hour": 6, "minute": 24}
